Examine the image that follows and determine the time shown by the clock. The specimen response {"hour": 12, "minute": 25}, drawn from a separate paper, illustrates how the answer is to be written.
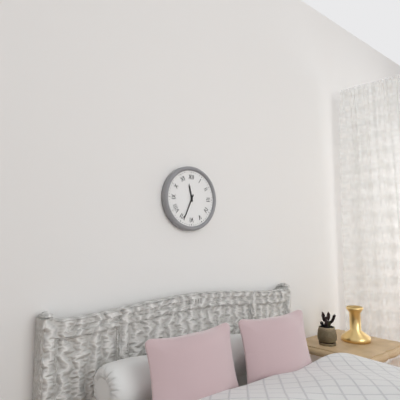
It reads {"hour": 11, "minute": 34}
